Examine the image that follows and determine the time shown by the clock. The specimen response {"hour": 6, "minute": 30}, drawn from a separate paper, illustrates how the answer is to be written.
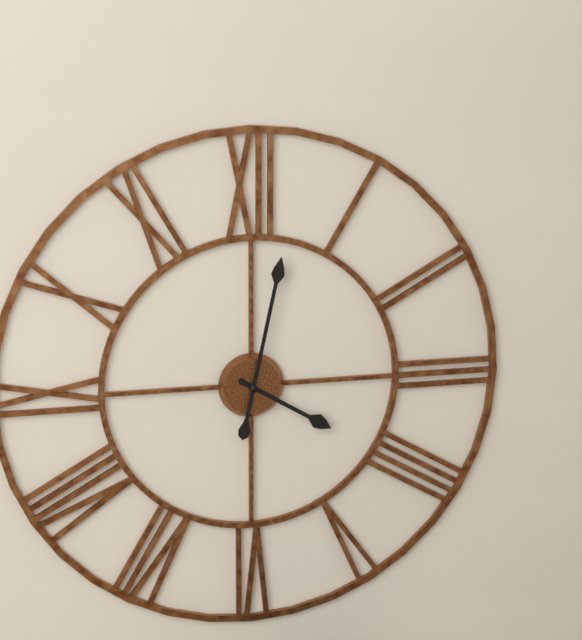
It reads {"hour": 4, "minute": 2}
